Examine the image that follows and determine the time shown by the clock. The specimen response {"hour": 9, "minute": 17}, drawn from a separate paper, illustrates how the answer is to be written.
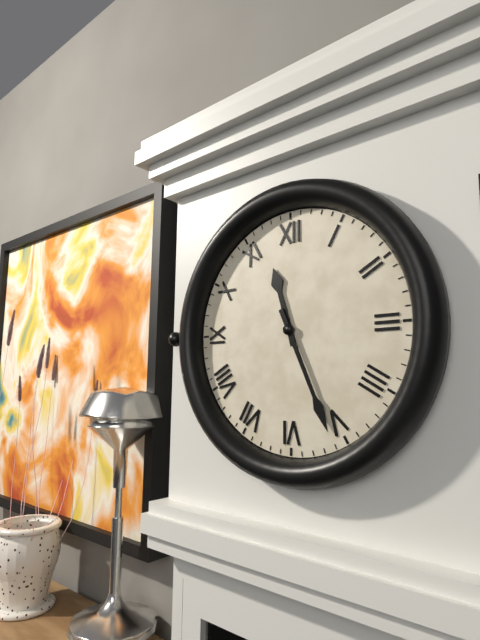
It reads {"hour": 11, "minute": 26}
